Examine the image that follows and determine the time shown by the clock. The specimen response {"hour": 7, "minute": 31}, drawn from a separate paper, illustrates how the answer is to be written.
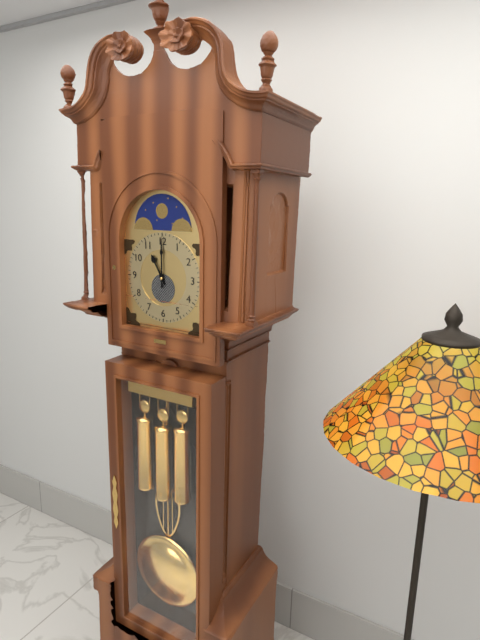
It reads {"hour": 11, "minute": 0}
